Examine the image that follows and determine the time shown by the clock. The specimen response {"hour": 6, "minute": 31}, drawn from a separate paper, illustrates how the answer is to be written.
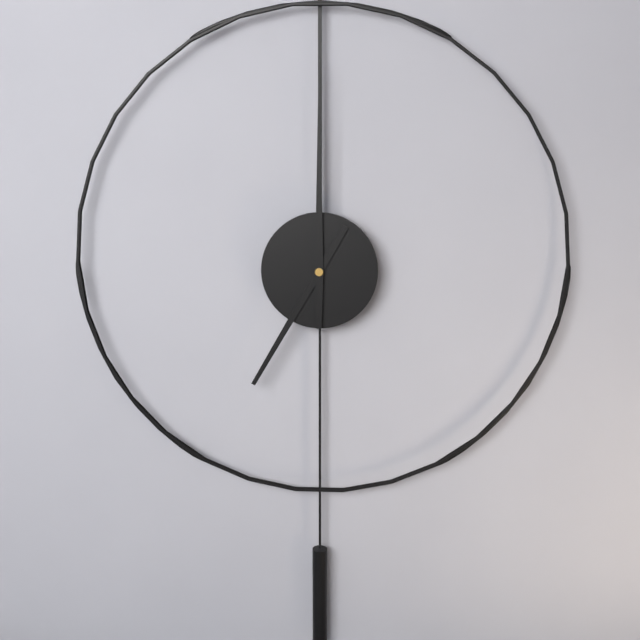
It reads {"hour": 7, "minute": 0}
